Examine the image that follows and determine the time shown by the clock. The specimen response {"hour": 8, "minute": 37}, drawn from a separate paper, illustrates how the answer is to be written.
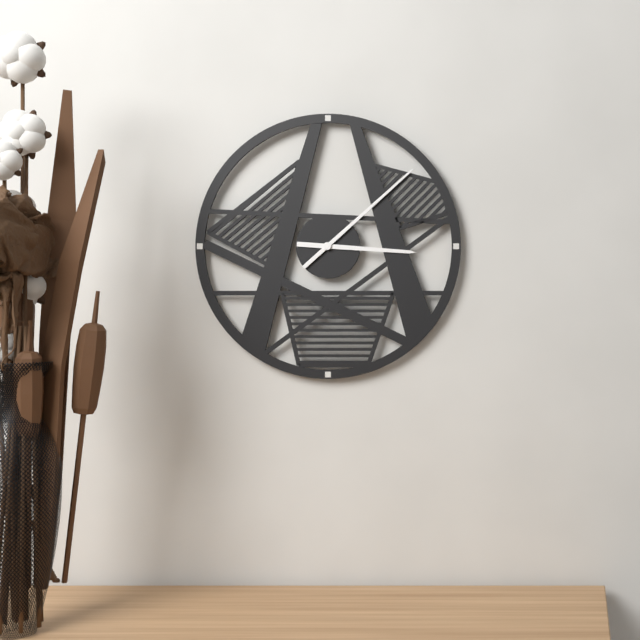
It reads {"hour": 3, "minute": 8}
